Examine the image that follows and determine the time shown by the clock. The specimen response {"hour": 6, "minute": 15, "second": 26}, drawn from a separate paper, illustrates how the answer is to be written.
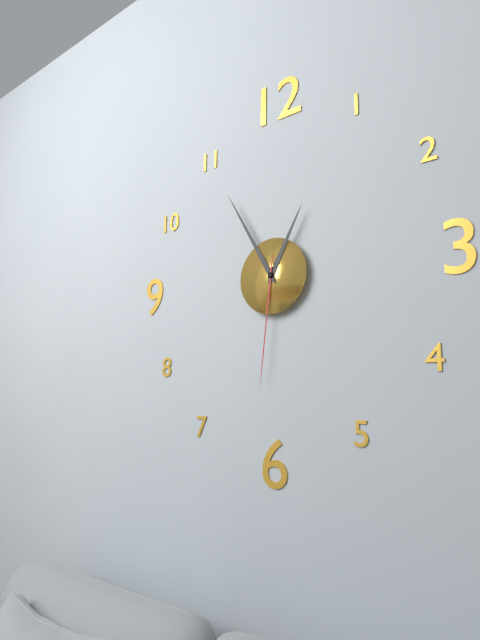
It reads {"hour": 12, "minute": 55, "second": 31}
